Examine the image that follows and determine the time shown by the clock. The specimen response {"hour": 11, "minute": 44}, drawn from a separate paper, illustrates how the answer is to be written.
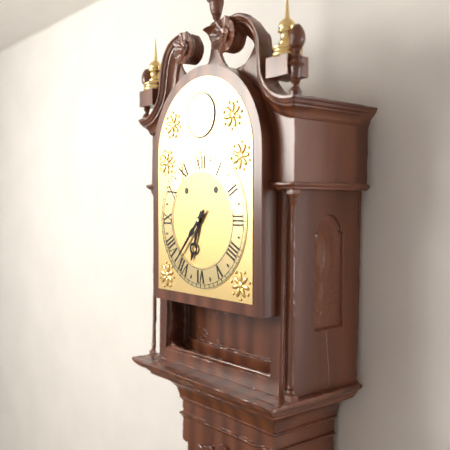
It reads {"hour": 6, "minute": 37}
